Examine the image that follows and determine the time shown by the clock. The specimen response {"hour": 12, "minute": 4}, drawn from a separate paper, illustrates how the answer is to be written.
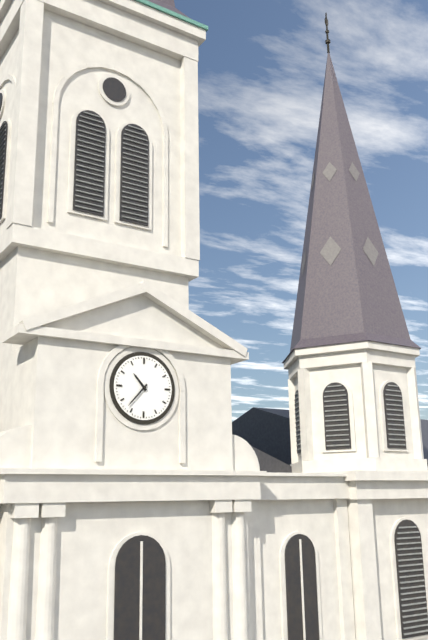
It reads {"hour": 10, "minute": 37}
